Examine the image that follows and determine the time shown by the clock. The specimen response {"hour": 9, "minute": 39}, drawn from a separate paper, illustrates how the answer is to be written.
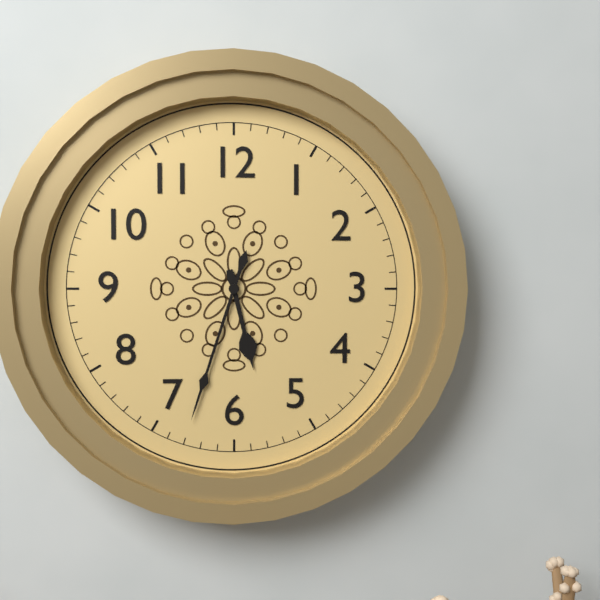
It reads {"hour": 5, "minute": 33}
